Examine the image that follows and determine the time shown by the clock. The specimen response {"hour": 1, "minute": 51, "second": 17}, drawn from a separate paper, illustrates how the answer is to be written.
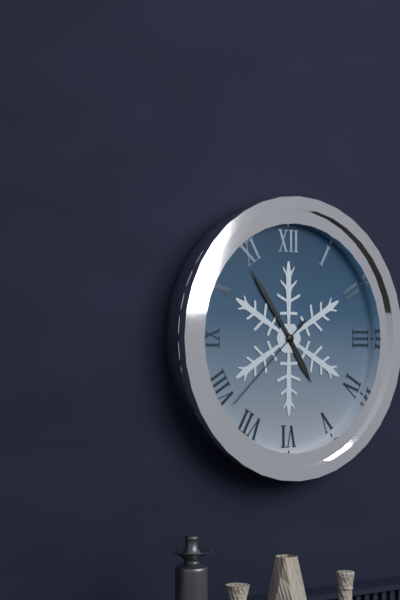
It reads {"hour": 4, "minute": 54, "second": 38}
